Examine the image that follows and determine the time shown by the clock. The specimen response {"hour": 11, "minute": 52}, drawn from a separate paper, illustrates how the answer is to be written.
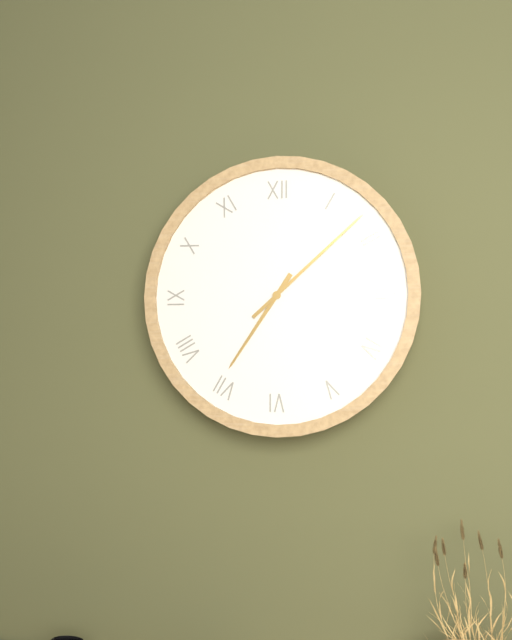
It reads {"hour": 7, "minute": 8}
